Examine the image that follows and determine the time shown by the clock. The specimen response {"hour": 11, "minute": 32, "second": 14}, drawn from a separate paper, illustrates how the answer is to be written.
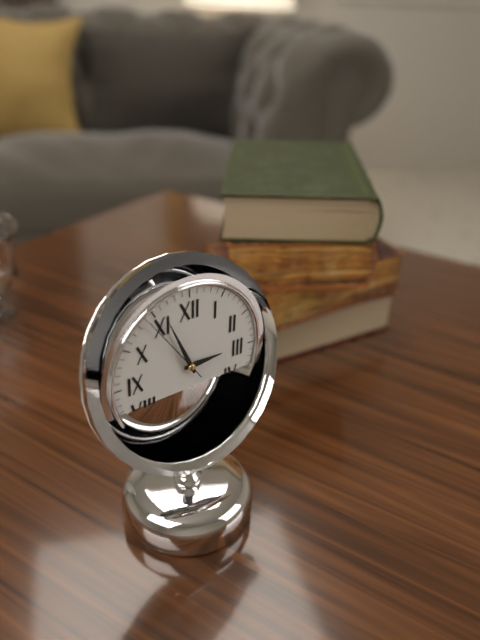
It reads {"hour": 2, "minute": 56, "second": 54}
